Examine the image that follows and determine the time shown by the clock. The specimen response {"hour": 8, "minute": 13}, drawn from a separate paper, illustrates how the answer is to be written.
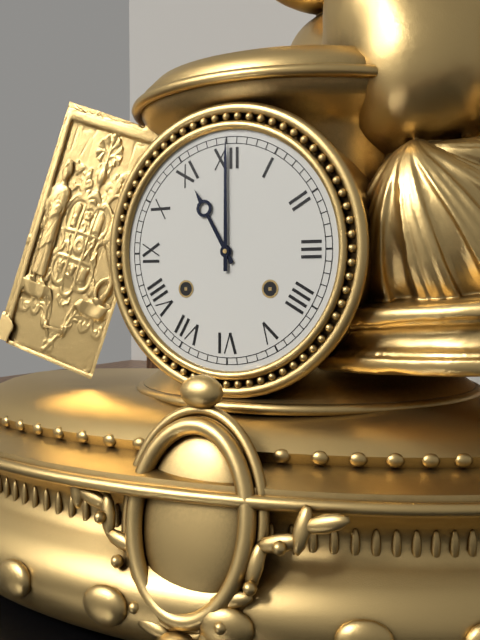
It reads {"hour": 11, "minute": 0}
